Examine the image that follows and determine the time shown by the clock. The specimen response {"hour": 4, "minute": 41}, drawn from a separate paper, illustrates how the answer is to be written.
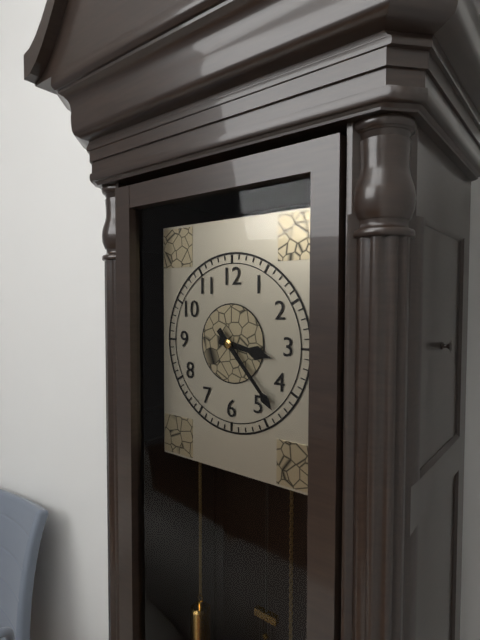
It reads {"hour": 3, "minute": 23}
